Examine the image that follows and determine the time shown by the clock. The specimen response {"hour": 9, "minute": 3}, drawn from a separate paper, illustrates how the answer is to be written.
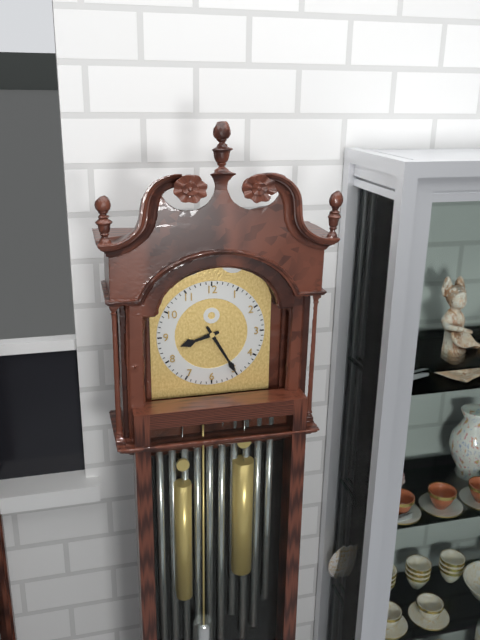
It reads {"hour": 8, "minute": 25}
